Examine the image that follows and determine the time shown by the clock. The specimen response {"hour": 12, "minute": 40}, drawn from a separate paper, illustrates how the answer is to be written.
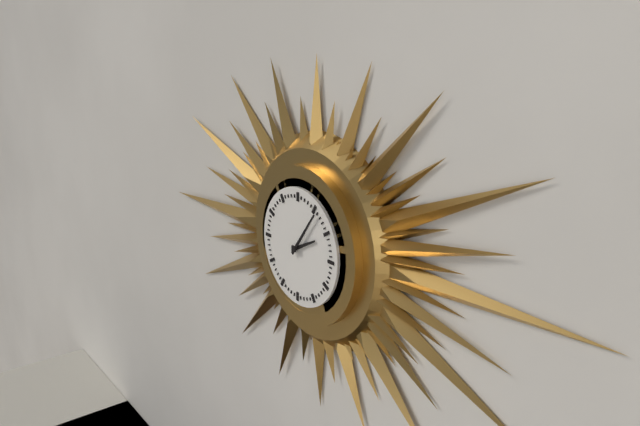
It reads {"hour": 2, "minute": 6}
